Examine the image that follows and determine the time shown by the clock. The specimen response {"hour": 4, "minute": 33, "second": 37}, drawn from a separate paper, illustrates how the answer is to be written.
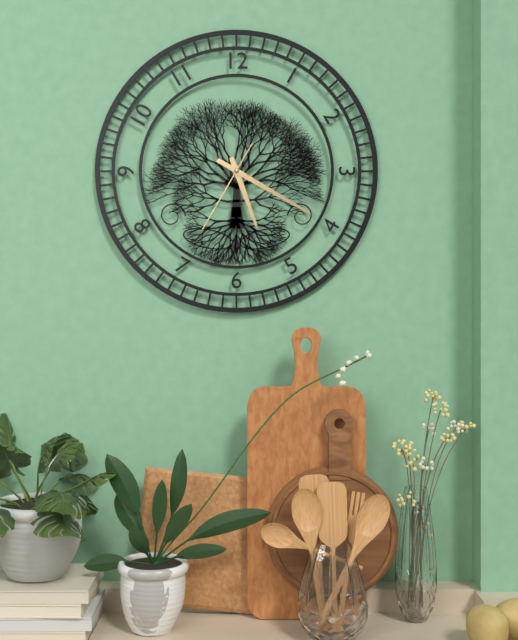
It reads {"hour": 5, "minute": 20, "second": 35}
